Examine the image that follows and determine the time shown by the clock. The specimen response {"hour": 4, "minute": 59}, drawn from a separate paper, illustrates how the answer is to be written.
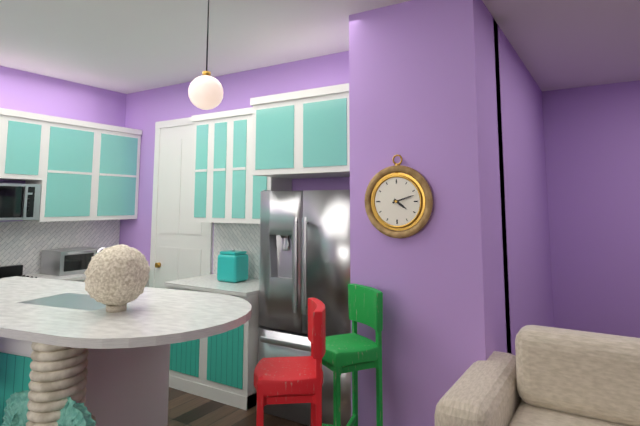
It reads {"hour": 4, "minute": 12}
